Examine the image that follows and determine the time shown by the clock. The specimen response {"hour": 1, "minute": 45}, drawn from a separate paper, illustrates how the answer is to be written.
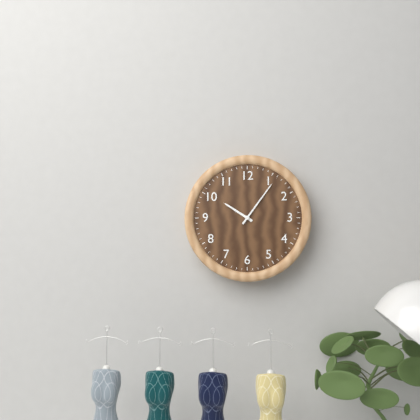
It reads {"hour": 10, "minute": 6}
